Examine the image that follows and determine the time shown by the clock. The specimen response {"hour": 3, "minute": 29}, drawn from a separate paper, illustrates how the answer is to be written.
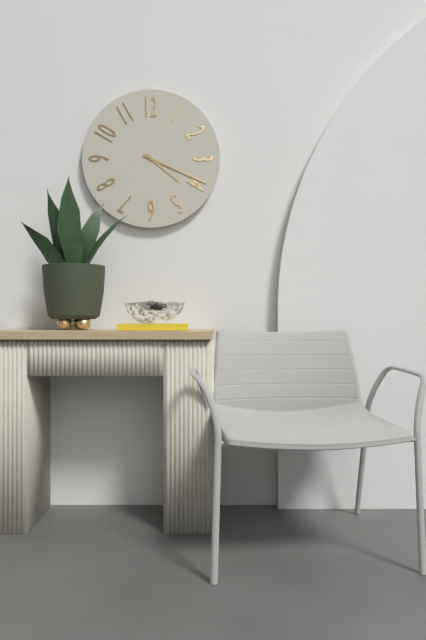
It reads {"hour": 4, "minute": 19}
